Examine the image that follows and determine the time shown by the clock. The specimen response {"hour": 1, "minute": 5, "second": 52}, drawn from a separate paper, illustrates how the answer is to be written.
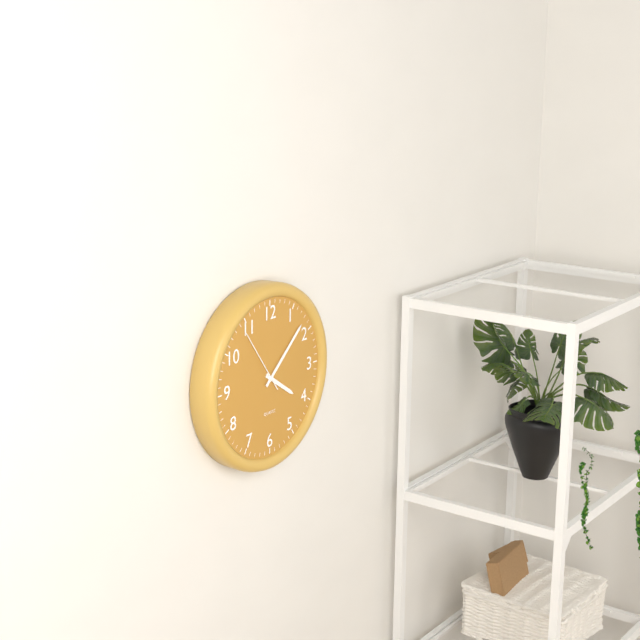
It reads {"hour": 4, "minute": 8, "second": 54}
